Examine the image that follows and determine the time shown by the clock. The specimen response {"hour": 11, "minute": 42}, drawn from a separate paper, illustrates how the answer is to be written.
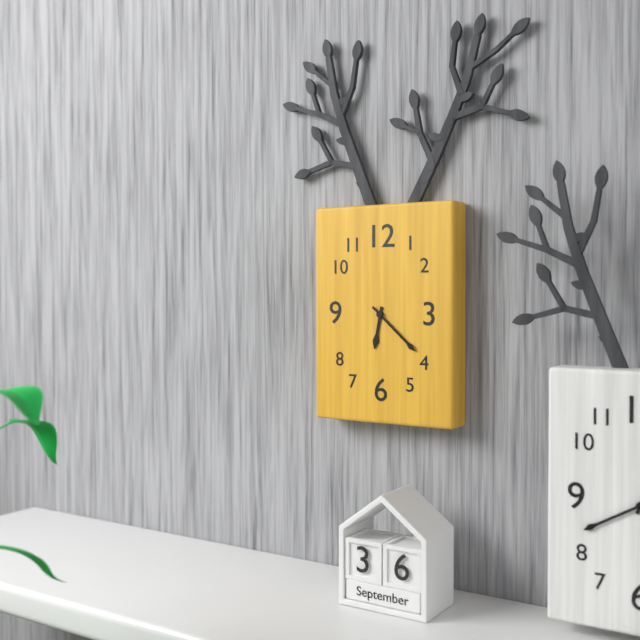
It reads {"hour": 6, "minute": 22}
